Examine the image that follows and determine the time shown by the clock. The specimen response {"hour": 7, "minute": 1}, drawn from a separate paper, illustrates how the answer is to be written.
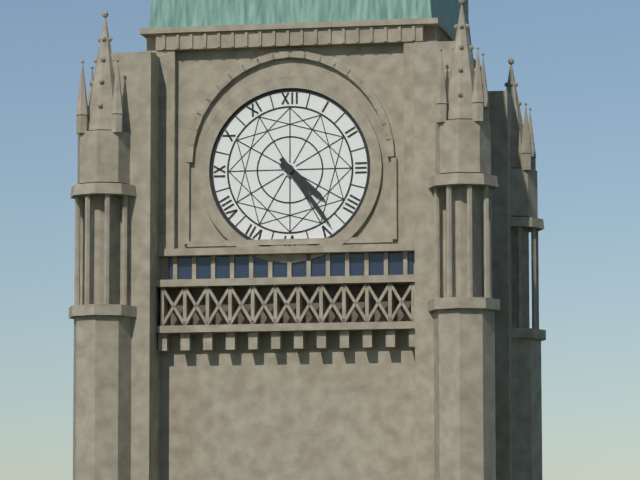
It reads {"hour": 4, "minute": 24}
